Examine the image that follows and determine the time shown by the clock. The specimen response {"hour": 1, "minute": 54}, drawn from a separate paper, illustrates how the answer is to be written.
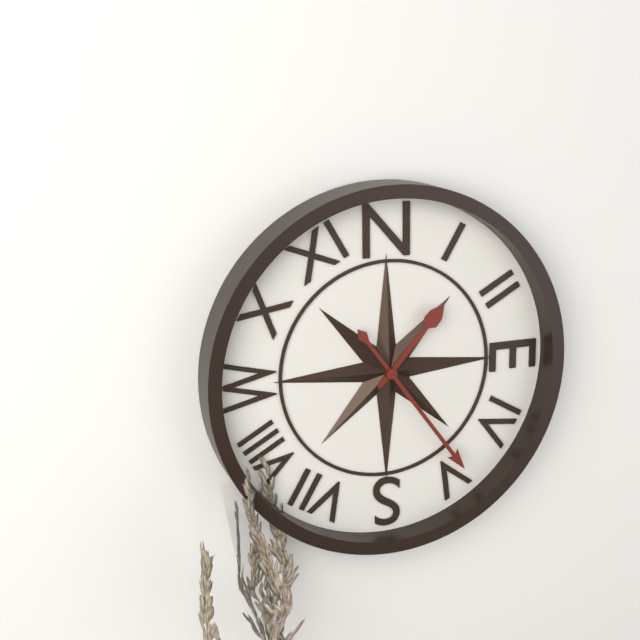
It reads {"hour": 1, "minute": 24}
